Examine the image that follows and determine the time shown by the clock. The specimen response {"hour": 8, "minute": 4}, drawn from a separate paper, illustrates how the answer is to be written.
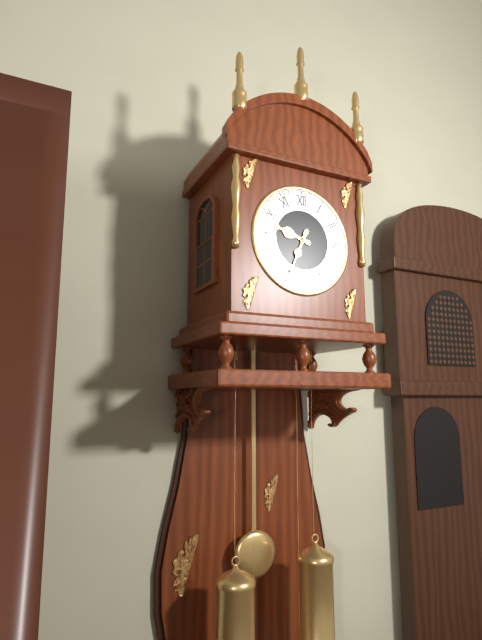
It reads {"hour": 9, "minute": 34}
